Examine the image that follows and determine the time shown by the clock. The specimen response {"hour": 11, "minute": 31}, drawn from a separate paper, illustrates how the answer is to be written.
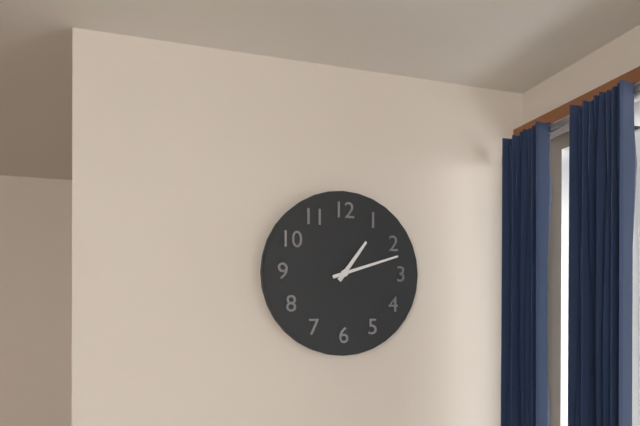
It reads {"hour": 1, "minute": 12}
